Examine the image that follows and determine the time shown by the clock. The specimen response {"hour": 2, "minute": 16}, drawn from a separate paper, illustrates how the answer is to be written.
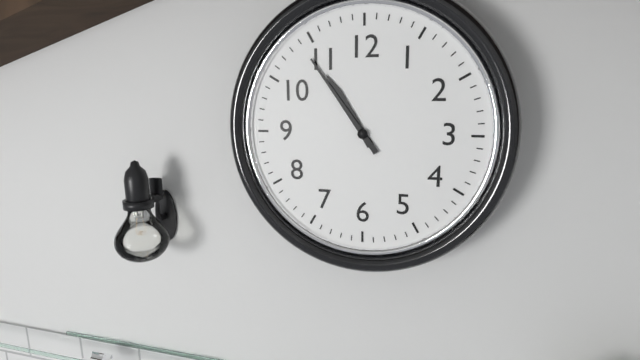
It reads {"hour": 10, "minute": 54}
